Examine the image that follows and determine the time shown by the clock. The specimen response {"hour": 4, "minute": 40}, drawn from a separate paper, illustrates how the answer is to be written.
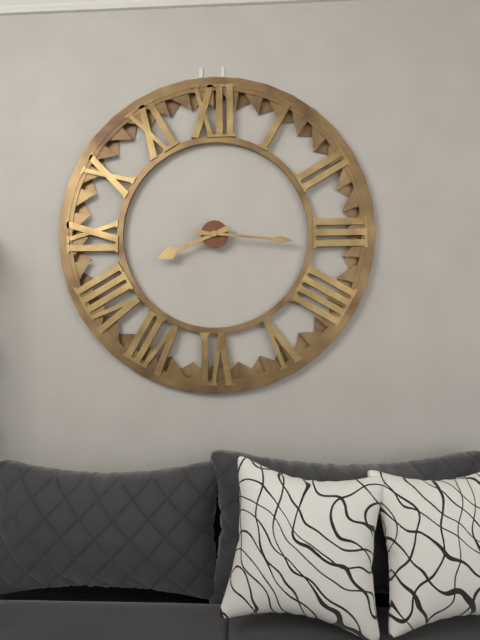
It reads {"hour": 8, "minute": 16}
